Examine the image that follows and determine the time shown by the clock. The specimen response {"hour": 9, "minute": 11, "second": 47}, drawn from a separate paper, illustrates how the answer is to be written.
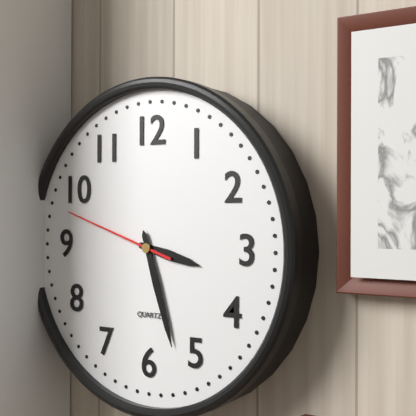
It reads {"hour": 3, "minute": 27, "second": 48}
